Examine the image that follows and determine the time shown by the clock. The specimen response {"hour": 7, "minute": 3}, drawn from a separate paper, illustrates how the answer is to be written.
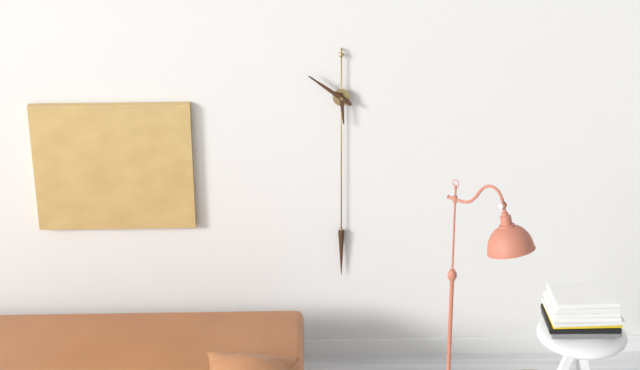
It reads {"hour": 5, "minute": 51}
